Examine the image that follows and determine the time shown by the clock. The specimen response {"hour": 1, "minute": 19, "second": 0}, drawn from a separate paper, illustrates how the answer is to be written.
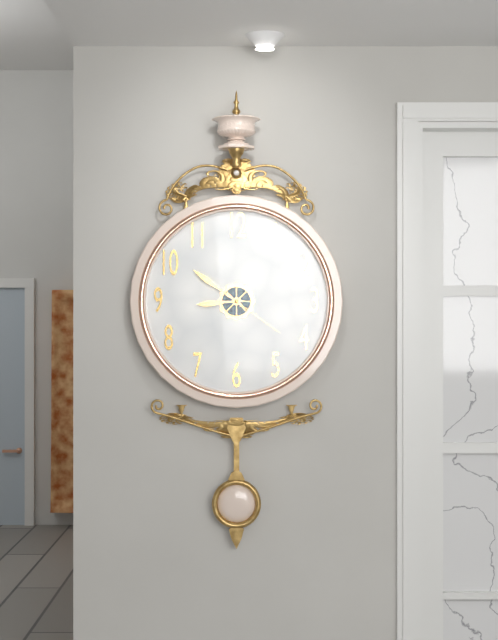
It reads {"hour": 8, "minute": 51, "second": 21}
